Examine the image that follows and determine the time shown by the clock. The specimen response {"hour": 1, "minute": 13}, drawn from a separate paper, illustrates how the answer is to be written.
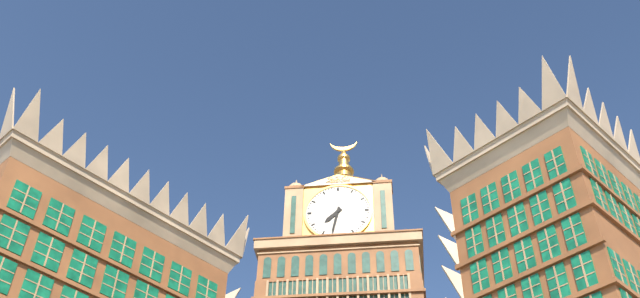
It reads {"hour": 7, "minute": 32}
